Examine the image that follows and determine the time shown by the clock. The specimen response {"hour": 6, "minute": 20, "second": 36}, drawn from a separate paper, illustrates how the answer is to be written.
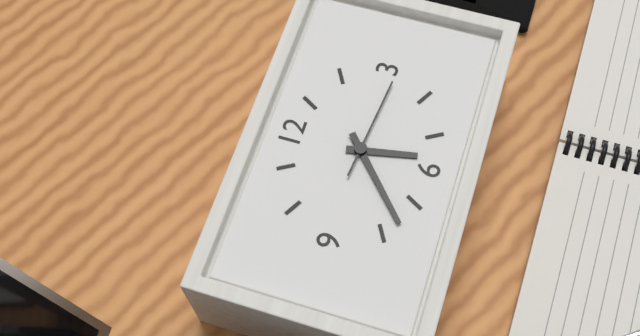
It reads {"hour": 5, "minute": 38, "second": 16}
